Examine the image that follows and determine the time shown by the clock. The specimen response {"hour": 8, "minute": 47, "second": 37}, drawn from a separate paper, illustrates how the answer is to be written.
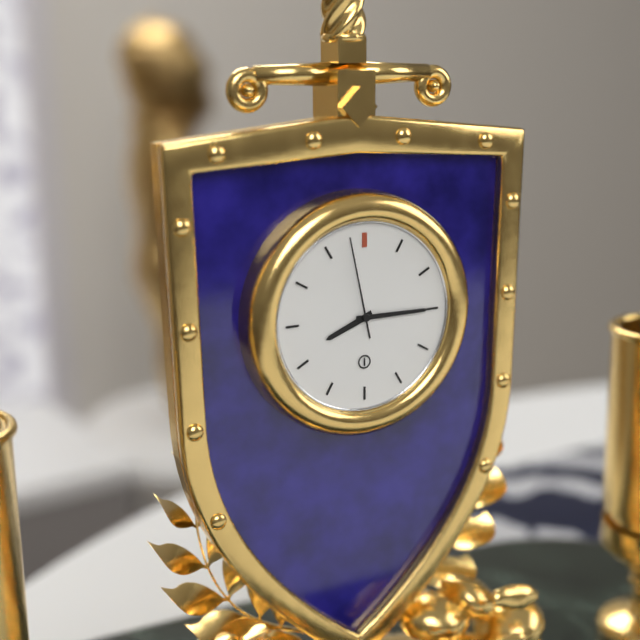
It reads {"hour": 8, "minute": 15, "second": 58}
